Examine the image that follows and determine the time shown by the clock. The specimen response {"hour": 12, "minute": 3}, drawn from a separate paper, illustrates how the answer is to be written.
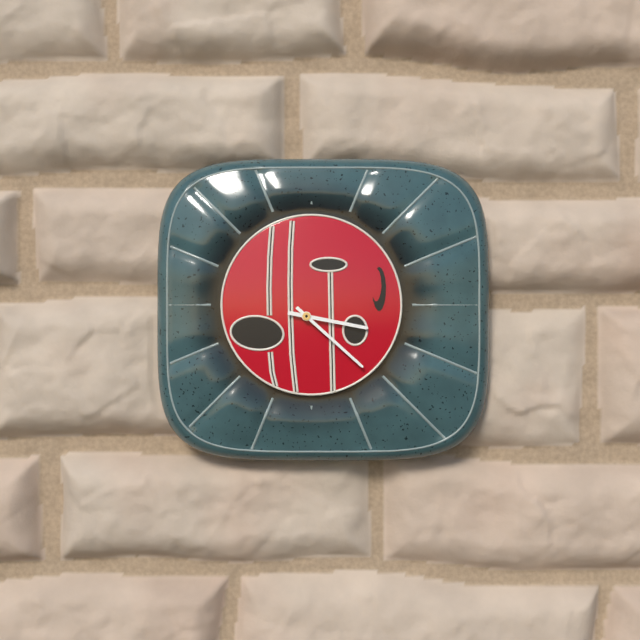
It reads {"hour": 3, "minute": 22}
